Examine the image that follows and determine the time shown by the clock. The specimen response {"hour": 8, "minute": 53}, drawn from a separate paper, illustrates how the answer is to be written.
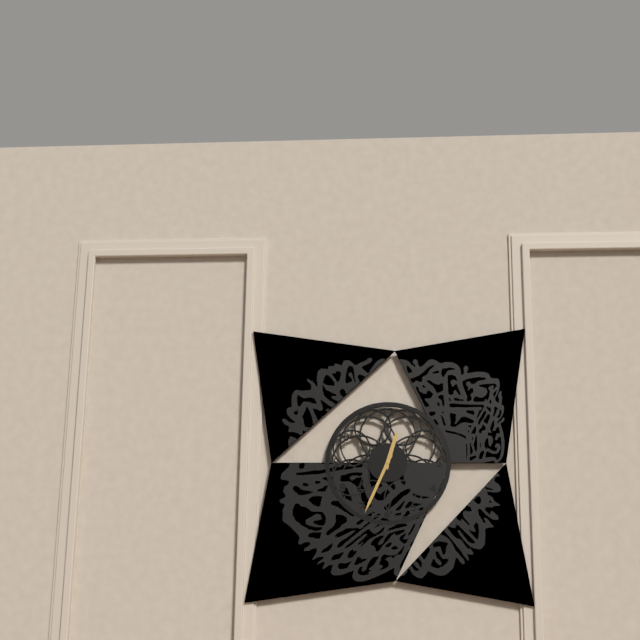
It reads {"hour": 12, "minute": 34}
